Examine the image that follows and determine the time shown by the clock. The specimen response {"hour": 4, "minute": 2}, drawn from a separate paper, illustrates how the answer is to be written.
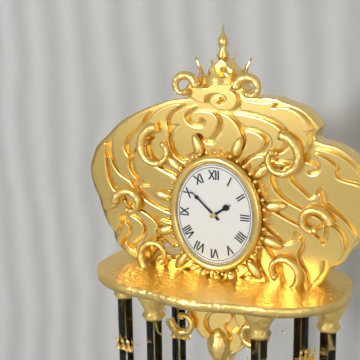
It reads {"hour": 1, "minute": 52}
